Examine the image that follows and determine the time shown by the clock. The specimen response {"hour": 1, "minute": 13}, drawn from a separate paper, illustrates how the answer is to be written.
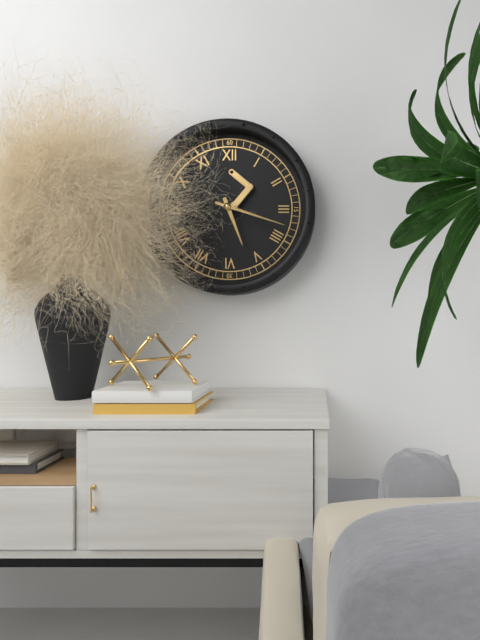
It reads {"hour": 5, "minute": 18}
